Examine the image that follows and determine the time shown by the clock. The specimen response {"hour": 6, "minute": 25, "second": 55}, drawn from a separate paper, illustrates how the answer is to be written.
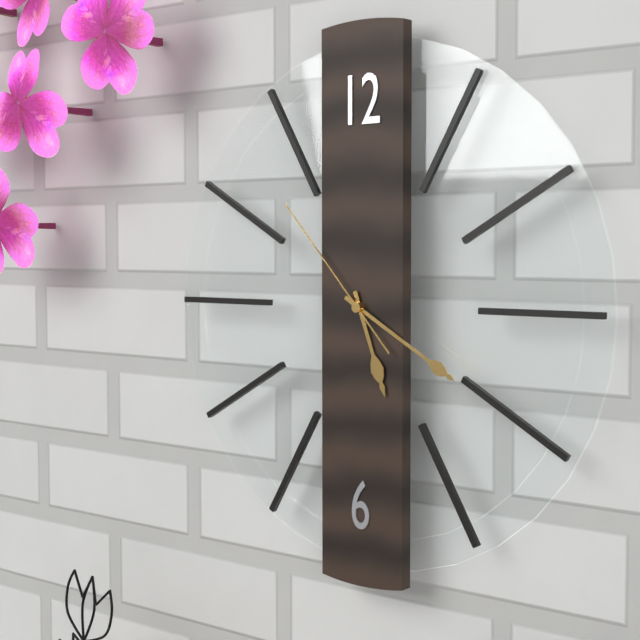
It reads {"hour": 5, "minute": 20, "second": 53}
